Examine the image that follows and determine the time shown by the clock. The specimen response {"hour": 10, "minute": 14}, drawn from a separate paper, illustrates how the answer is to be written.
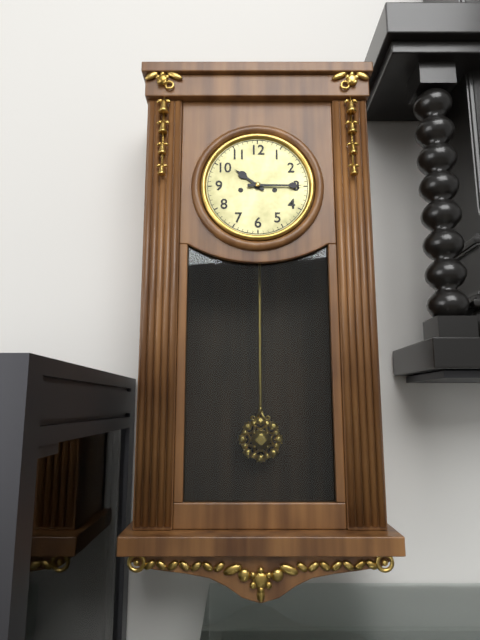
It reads {"hour": 10, "minute": 15}
